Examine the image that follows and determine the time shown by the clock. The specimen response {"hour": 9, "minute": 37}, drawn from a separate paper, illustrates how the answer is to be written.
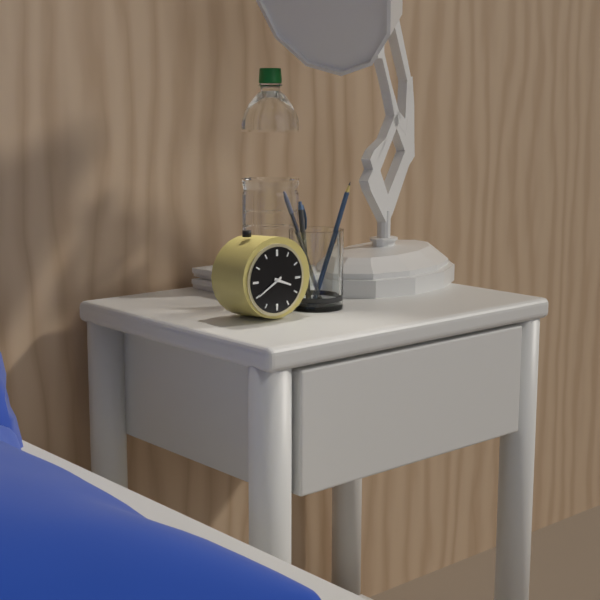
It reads {"hour": 3, "minute": 40}
